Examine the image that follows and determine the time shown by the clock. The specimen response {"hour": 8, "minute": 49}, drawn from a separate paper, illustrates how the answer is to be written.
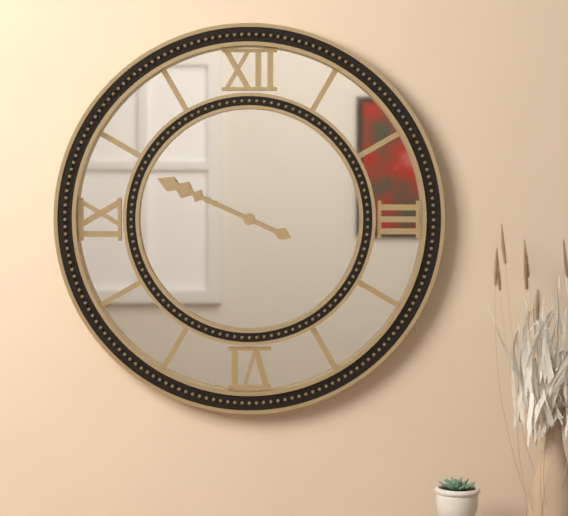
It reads {"hour": 9, "minute": 49}
